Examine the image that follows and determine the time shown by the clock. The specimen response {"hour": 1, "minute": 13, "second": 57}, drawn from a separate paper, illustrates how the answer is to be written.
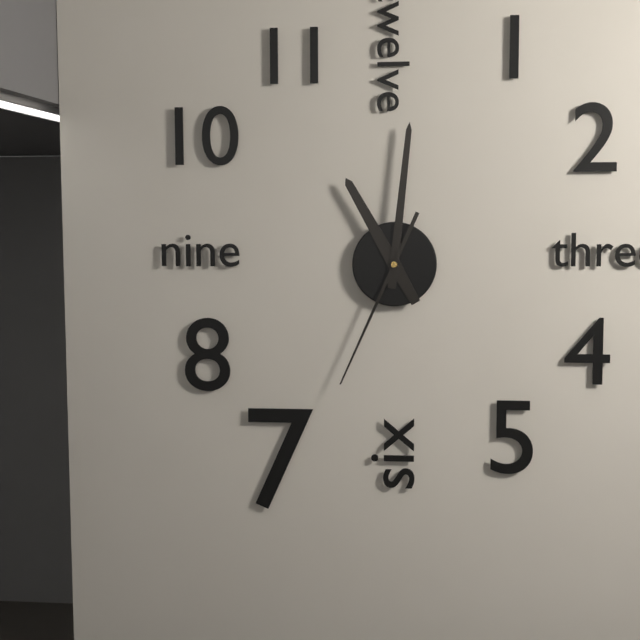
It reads {"hour": 11, "minute": 1, "second": 34}
